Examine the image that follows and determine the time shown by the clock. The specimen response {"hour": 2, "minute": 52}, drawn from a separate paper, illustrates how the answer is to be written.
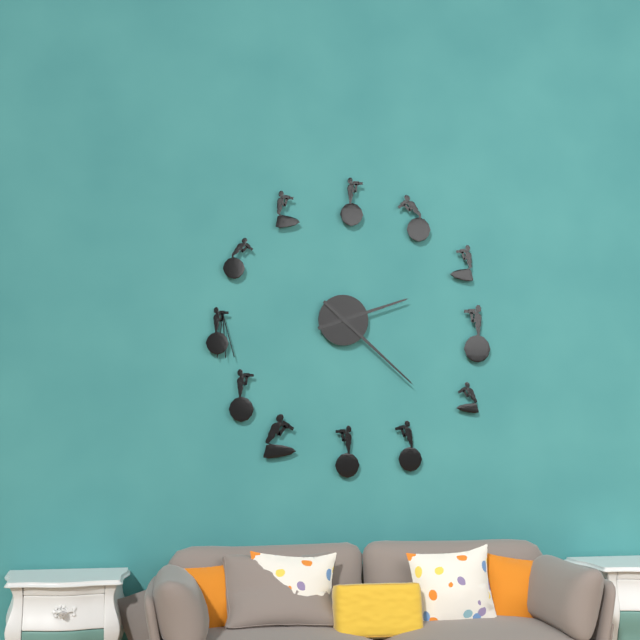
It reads {"hour": 2, "minute": 22}
